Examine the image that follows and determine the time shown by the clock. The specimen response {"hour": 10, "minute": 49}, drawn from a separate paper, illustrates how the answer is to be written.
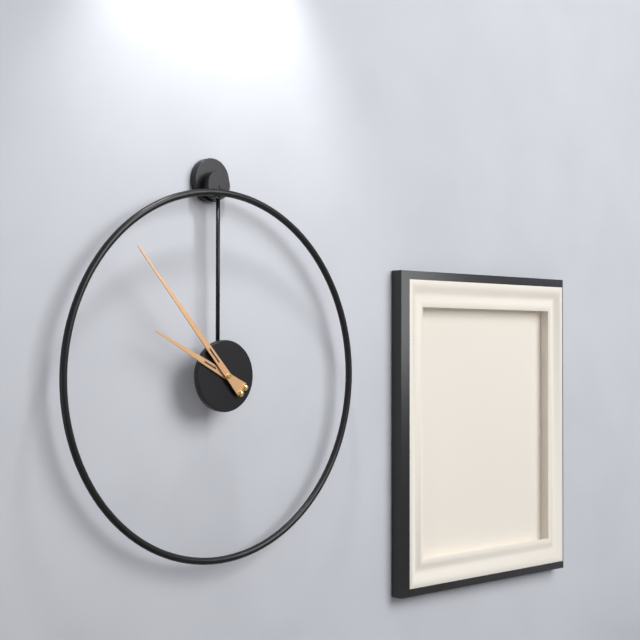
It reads {"hour": 9, "minute": 53}
